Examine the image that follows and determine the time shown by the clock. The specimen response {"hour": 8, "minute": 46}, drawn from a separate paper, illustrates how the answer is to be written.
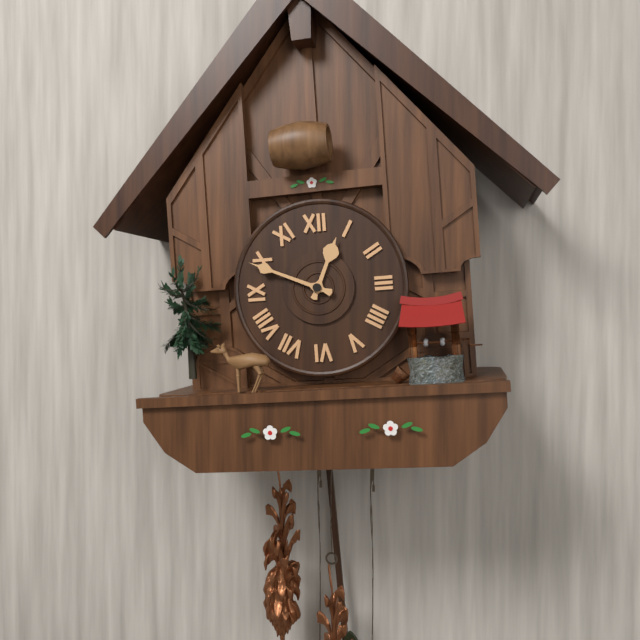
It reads {"hour": 12, "minute": 49}
